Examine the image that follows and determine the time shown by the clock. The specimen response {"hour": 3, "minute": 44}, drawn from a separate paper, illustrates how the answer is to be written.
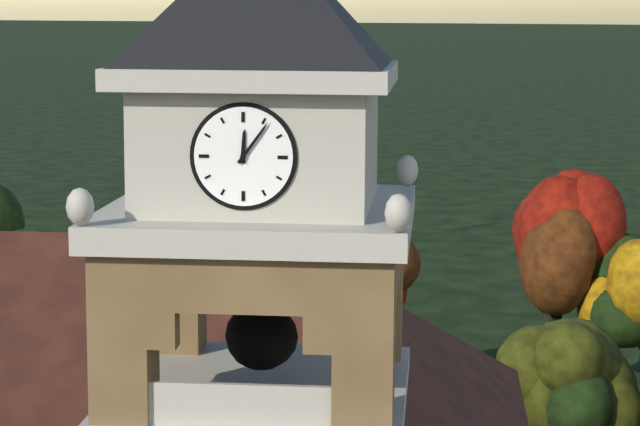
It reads {"hour": 12, "minute": 6}
